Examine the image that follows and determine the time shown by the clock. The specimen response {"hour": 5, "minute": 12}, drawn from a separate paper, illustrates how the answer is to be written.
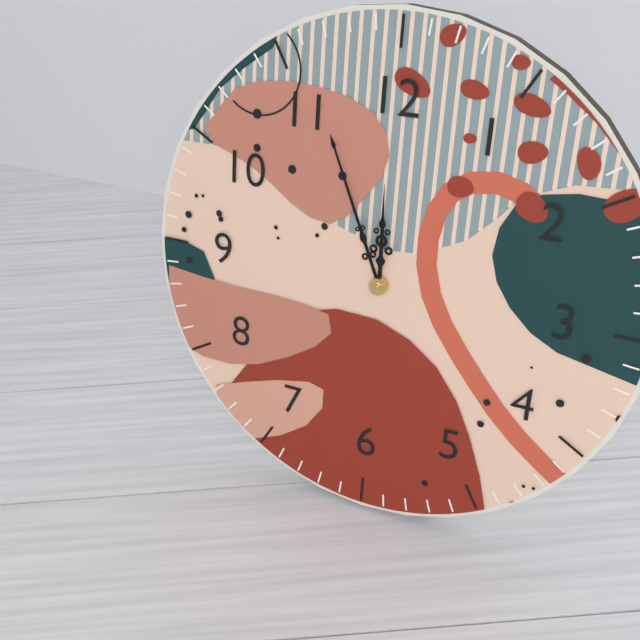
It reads {"hour": 11, "minute": 56}
